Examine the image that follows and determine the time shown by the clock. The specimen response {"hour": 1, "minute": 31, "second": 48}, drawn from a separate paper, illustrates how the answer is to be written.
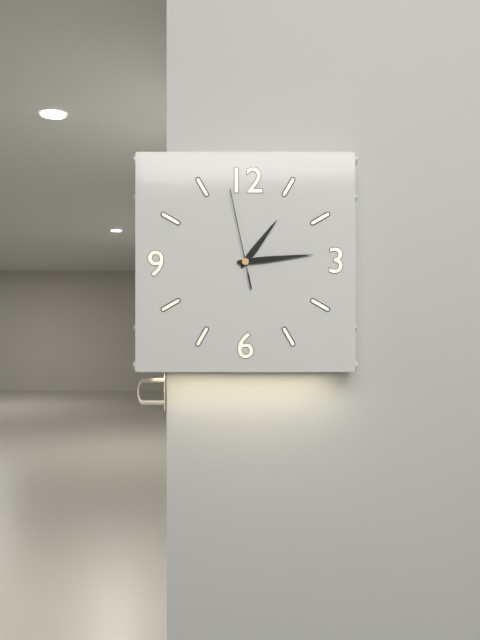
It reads {"hour": 1, "minute": 14, "second": 58}
